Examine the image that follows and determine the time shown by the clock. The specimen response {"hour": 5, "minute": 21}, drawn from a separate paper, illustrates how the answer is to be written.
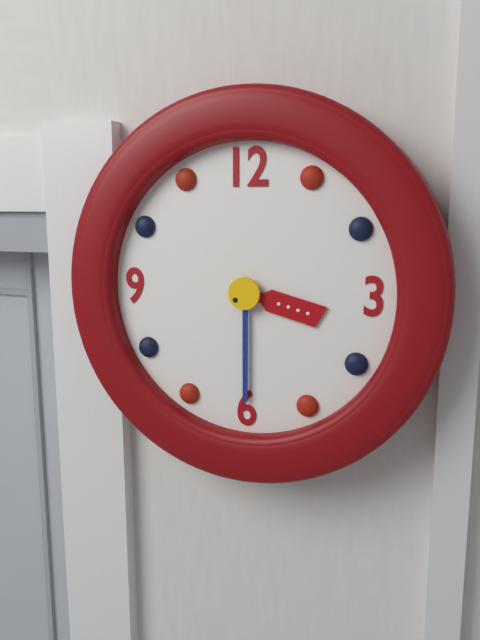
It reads {"hour": 3, "minute": 30}
